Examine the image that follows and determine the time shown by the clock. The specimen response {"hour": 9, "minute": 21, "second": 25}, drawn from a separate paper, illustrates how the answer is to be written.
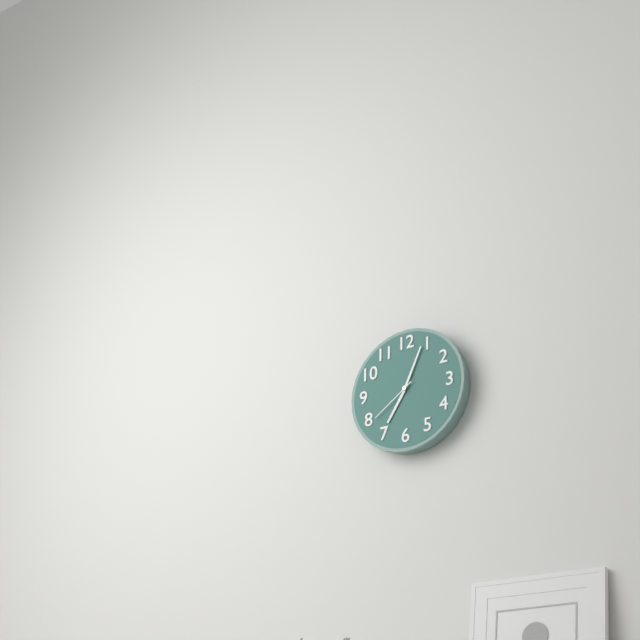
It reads {"hour": 7, "minute": 4, "second": 39}
